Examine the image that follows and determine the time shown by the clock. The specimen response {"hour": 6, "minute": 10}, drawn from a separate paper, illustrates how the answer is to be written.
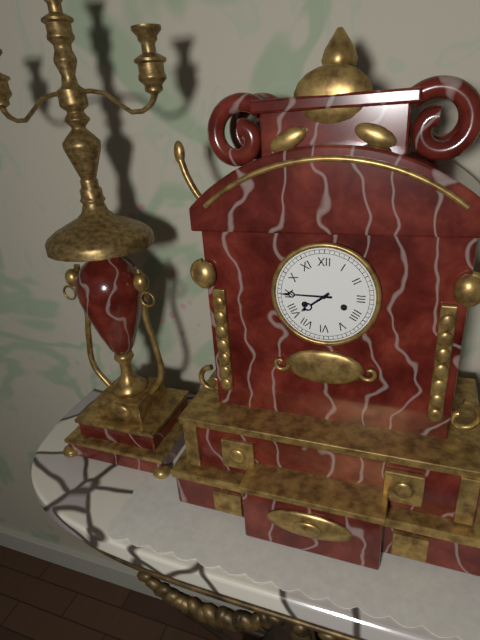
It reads {"hour": 7, "minute": 45}
